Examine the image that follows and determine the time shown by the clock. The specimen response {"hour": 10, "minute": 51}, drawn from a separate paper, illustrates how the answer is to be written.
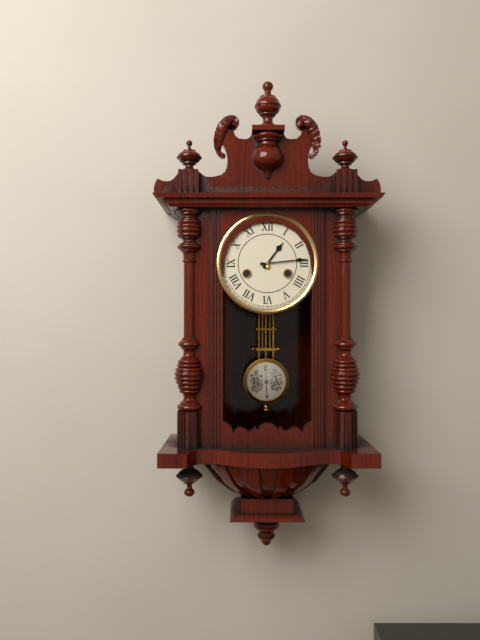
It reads {"hour": 1, "minute": 14}
